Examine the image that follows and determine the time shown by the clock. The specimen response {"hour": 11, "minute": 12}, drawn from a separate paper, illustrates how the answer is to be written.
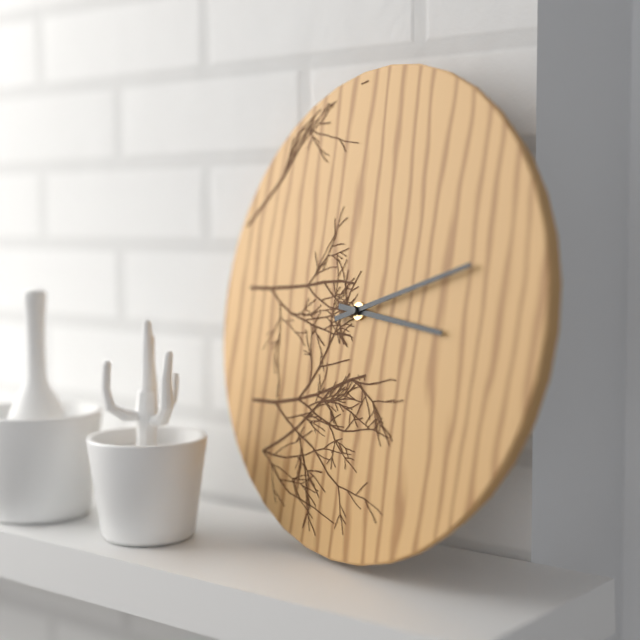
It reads {"hour": 3, "minute": 12}
